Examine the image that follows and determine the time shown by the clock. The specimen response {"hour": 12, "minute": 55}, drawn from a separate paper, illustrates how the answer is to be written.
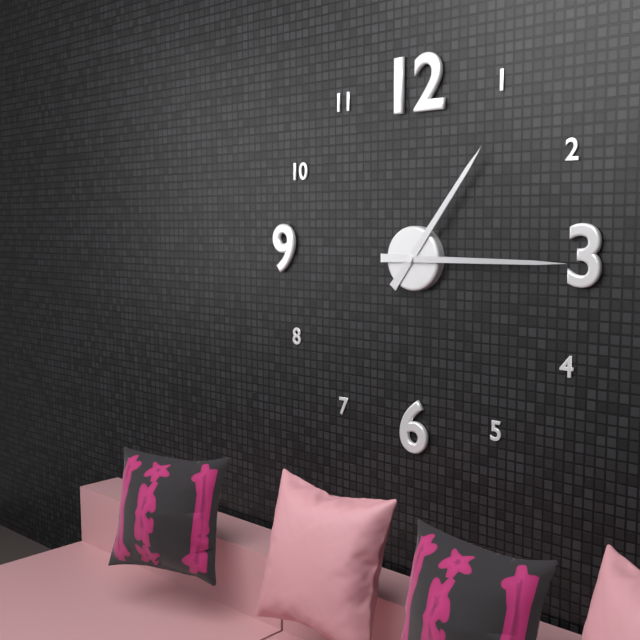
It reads {"hour": 1, "minute": 15}
